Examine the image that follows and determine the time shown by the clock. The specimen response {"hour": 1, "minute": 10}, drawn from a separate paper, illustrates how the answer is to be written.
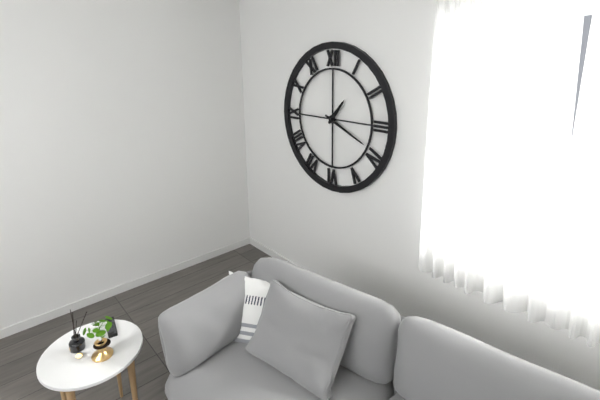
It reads {"hour": 1, "minute": 19}
